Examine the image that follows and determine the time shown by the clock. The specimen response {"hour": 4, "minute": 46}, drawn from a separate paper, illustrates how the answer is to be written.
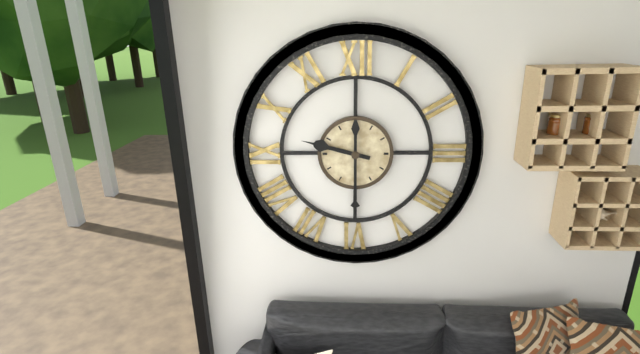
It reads {"hour": 9, "minute": 30}
